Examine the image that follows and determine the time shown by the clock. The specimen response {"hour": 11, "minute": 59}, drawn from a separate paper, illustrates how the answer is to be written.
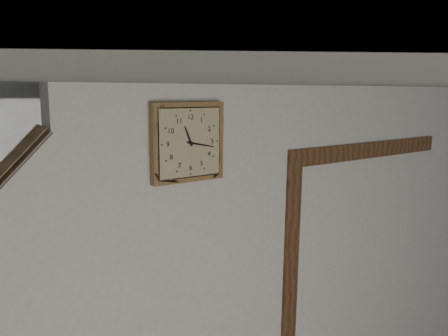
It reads {"hour": 11, "minute": 17}
